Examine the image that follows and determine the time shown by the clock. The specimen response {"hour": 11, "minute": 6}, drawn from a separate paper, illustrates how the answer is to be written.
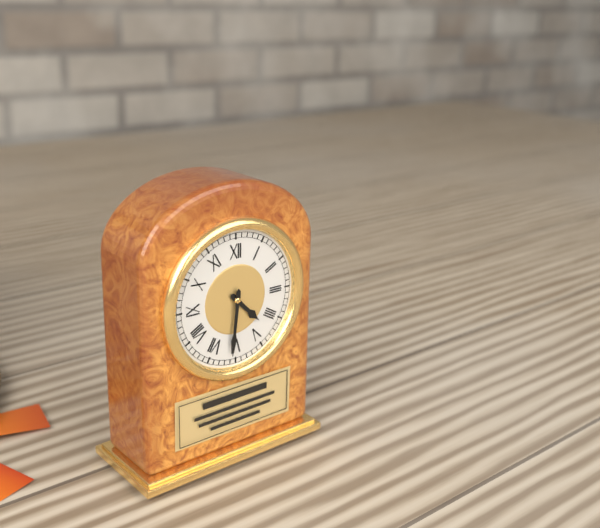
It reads {"hour": 4, "minute": 31}
